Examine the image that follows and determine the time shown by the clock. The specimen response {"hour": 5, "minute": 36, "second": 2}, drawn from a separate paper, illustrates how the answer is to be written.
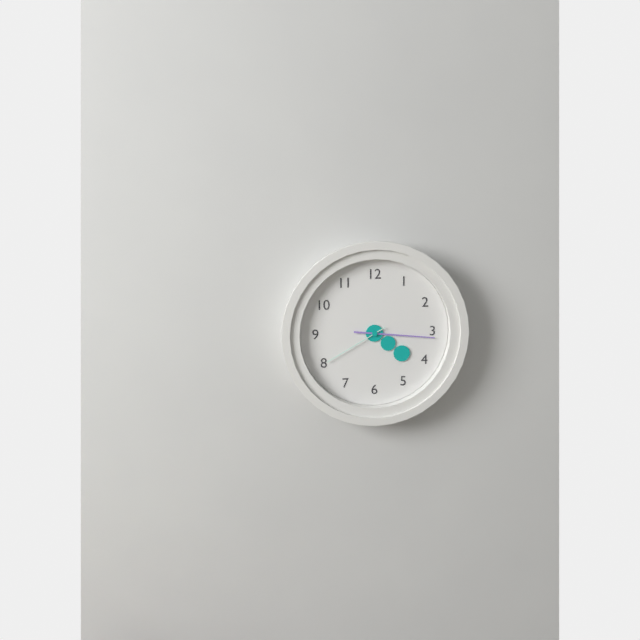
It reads {"hour": 4, "minute": 16, "second": 40}
